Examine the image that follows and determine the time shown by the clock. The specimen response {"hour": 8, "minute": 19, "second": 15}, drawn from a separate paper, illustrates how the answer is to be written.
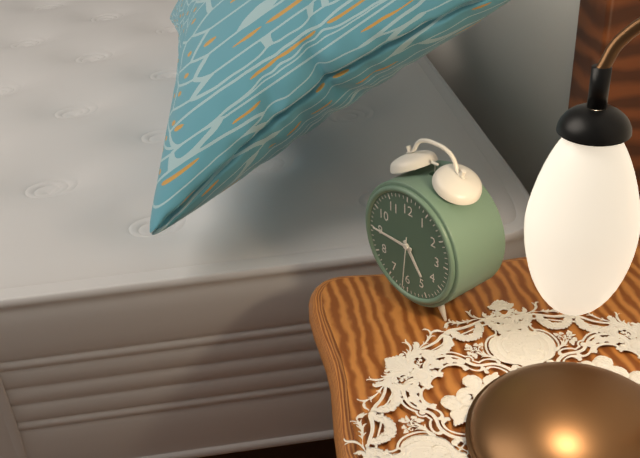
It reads {"hour": 4, "minute": 45, "second": 31}
